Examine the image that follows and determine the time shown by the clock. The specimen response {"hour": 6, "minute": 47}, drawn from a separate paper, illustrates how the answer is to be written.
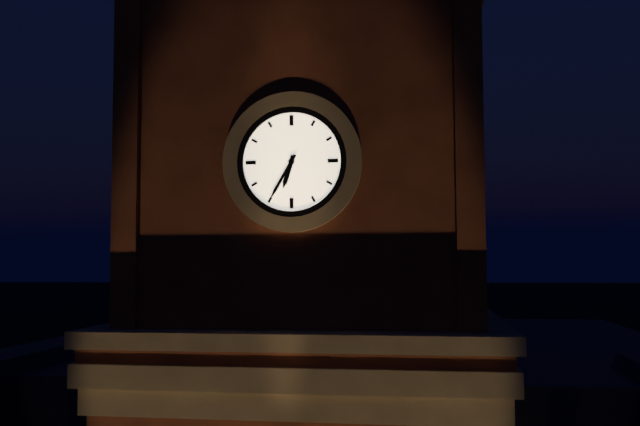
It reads {"hour": 6, "minute": 35}
